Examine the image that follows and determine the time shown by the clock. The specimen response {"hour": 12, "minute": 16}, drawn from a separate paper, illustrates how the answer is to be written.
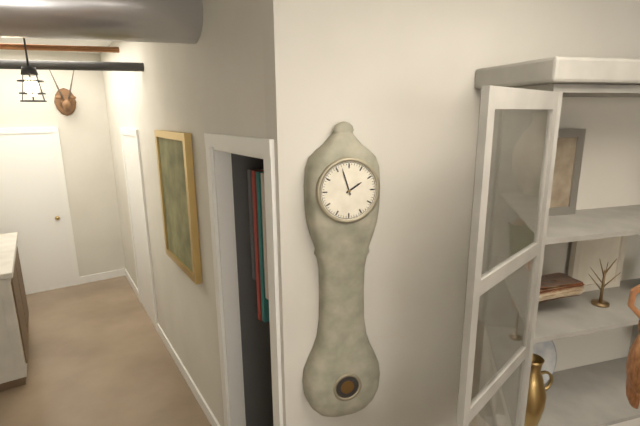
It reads {"hour": 1, "minute": 57}
